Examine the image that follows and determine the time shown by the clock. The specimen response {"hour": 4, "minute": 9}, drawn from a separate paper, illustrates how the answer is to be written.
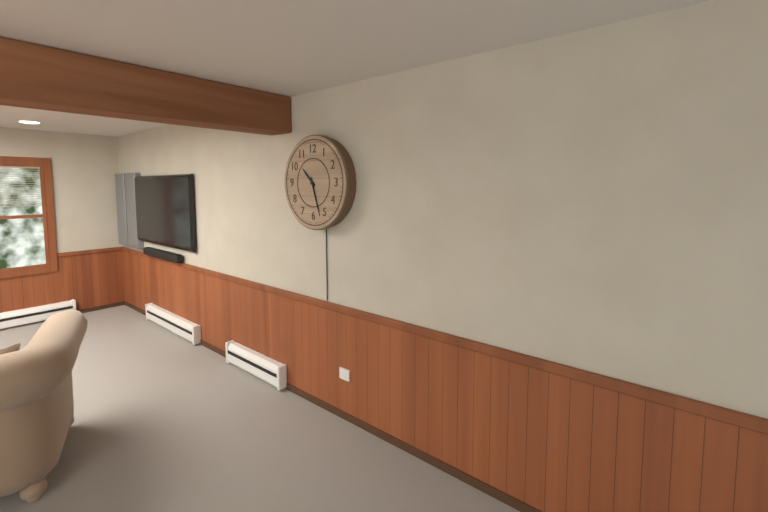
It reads {"hour": 10, "minute": 27}
